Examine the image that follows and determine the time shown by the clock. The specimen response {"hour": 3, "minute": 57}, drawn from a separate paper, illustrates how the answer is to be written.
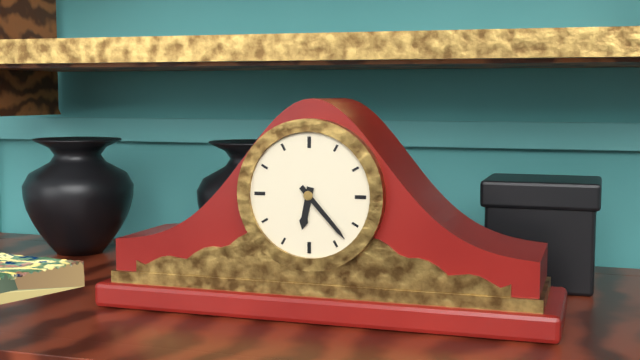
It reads {"hour": 6, "minute": 23}
